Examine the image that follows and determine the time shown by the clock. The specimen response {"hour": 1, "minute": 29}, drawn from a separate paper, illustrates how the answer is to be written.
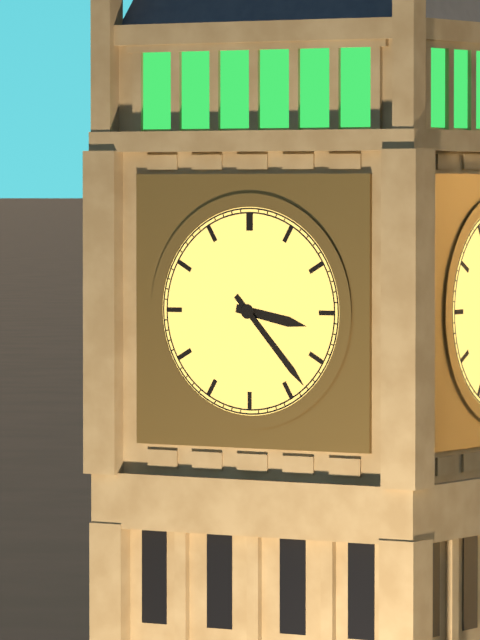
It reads {"hour": 3, "minute": 23}
